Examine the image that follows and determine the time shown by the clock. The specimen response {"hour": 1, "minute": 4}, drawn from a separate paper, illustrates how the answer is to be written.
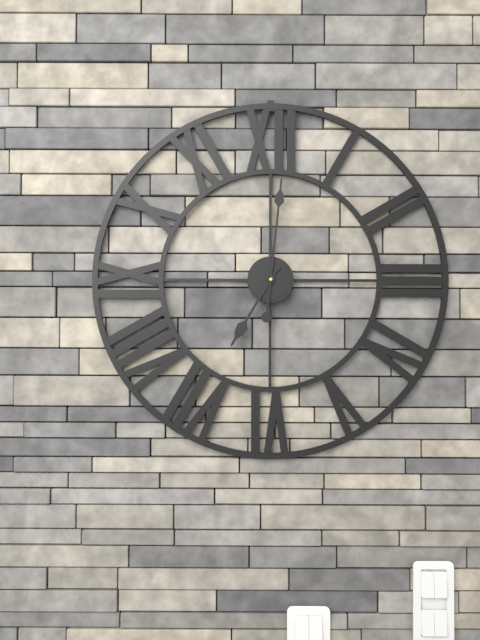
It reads {"hour": 7, "minute": 1}
